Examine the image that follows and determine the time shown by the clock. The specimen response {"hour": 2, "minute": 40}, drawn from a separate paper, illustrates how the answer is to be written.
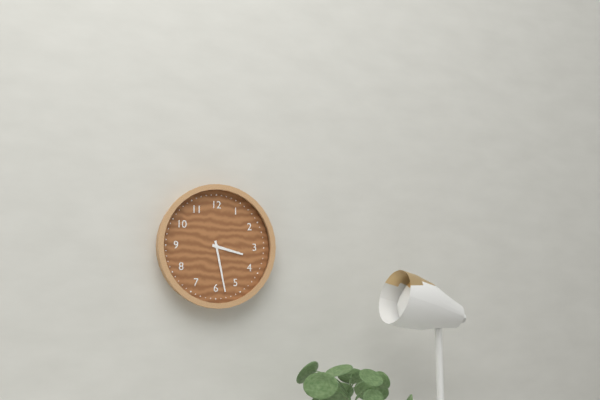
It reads {"hour": 3, "minute": 28}
